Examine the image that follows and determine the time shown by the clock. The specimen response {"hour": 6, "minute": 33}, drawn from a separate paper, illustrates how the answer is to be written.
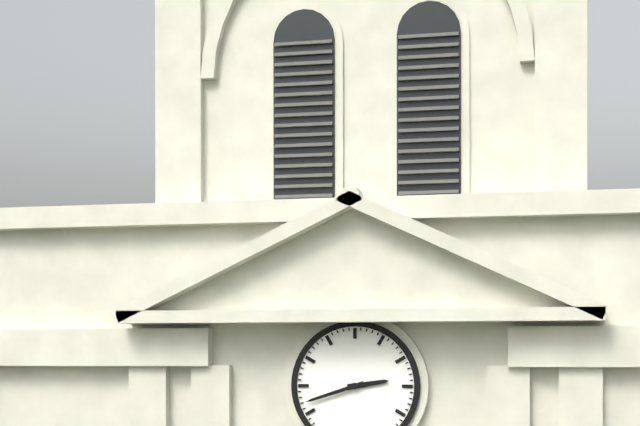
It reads {"hour": 2, "minute": 42}
